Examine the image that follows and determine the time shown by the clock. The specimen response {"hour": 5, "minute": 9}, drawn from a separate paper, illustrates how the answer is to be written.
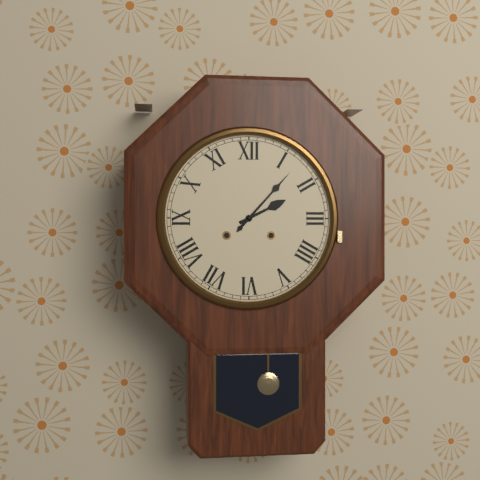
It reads {"hour": 2, "minute": 7}
